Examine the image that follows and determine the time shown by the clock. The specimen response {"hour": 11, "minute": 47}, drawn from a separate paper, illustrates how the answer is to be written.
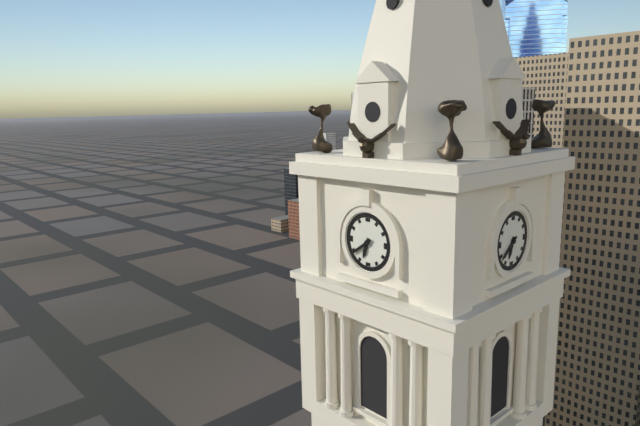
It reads {"hour": 6, "minute": 39}
